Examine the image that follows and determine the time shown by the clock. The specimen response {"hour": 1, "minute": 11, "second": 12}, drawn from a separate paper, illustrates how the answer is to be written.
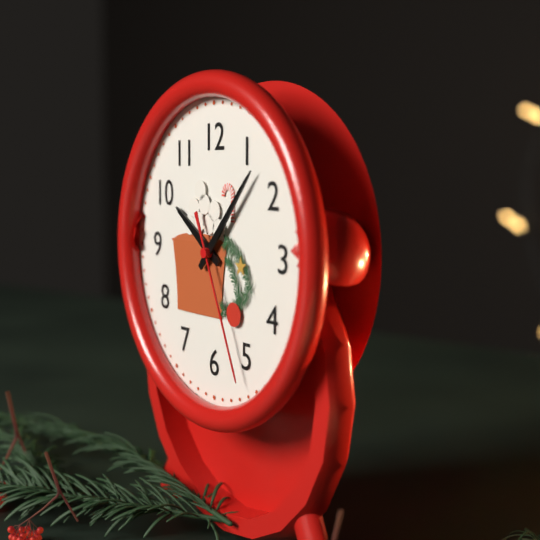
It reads {"hour": 10, "minute": 7, "second": 26}
